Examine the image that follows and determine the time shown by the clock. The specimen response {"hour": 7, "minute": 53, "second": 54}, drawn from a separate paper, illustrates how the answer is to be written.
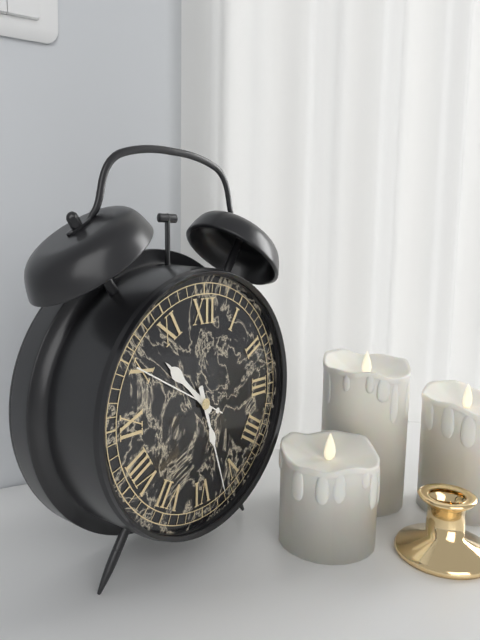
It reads {"hour": 10, "minute": 27, "second": 50}
